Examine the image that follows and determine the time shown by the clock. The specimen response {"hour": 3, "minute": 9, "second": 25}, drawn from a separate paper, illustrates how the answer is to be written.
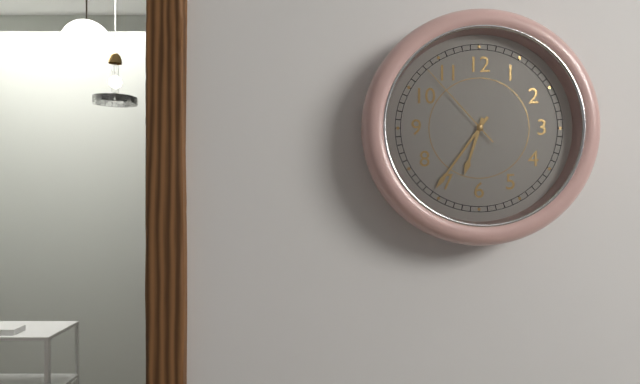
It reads {"hour": 6, "minute": 36, "second": 53}
